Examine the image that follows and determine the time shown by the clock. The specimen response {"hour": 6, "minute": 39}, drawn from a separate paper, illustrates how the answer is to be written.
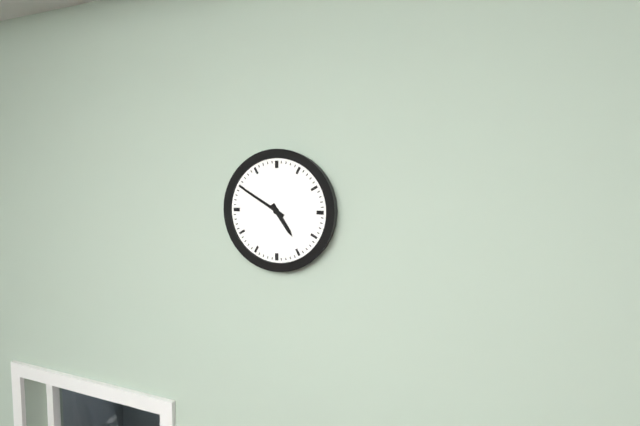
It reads {"hour": 4, "minute": 50}
